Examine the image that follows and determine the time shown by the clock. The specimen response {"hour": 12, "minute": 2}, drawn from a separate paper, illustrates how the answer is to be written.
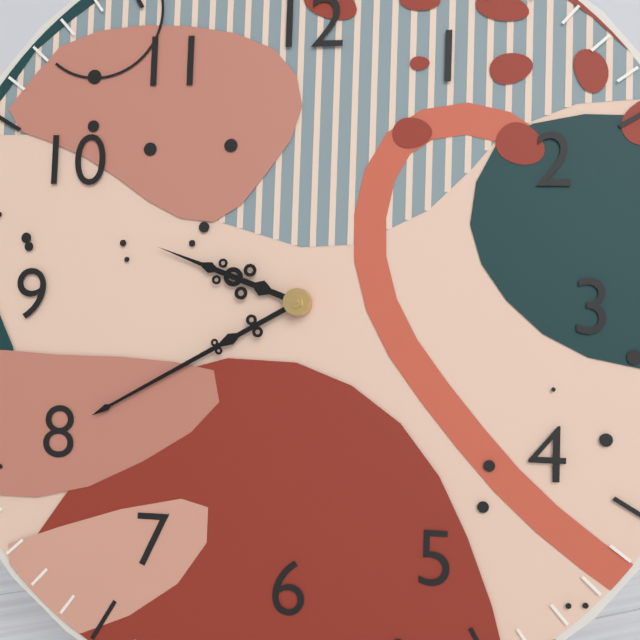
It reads {"hour": 9, "minute": 40}
